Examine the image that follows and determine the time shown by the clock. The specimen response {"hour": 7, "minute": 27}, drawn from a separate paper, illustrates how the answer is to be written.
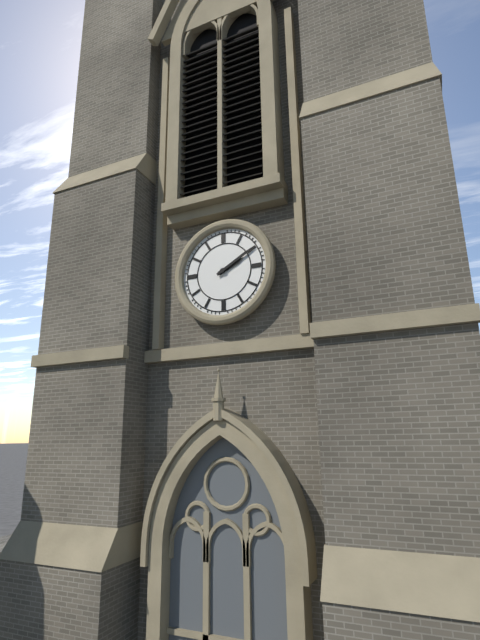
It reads {"hour": 2, "minute": 10}
